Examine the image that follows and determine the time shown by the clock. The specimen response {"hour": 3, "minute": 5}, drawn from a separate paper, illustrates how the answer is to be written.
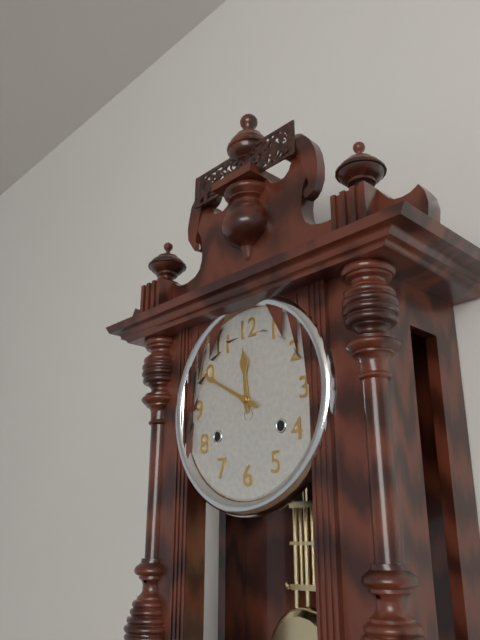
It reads {"hour": 11, "minute": 50}
